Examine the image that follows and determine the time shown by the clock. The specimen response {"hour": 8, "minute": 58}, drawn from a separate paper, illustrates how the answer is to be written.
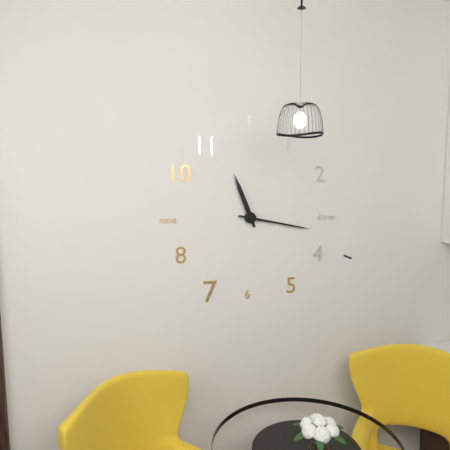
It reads {"hour": 11, "minute": 17}
